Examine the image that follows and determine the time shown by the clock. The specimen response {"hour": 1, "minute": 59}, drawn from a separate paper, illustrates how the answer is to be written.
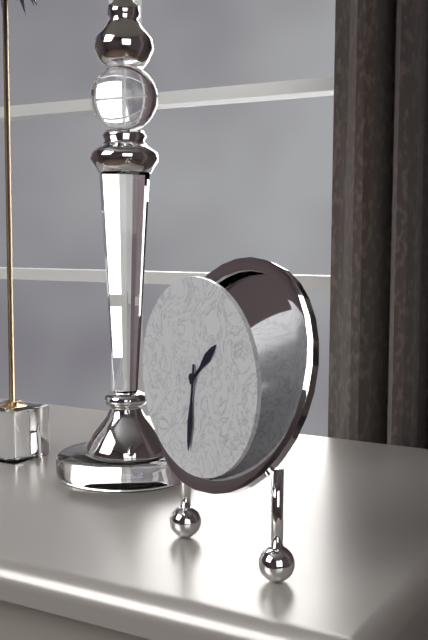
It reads {"hour": 1, "minute": 31}
